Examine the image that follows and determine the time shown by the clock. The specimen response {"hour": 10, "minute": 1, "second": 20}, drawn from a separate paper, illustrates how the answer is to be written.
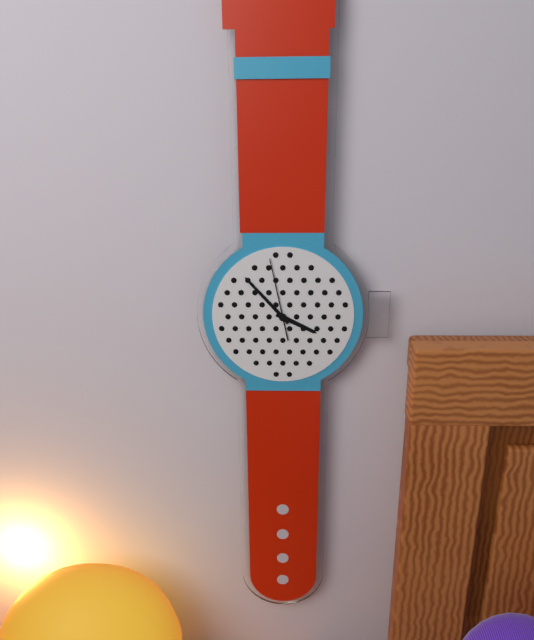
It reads {"hour": 3, "minute": 53, "second": 58}
